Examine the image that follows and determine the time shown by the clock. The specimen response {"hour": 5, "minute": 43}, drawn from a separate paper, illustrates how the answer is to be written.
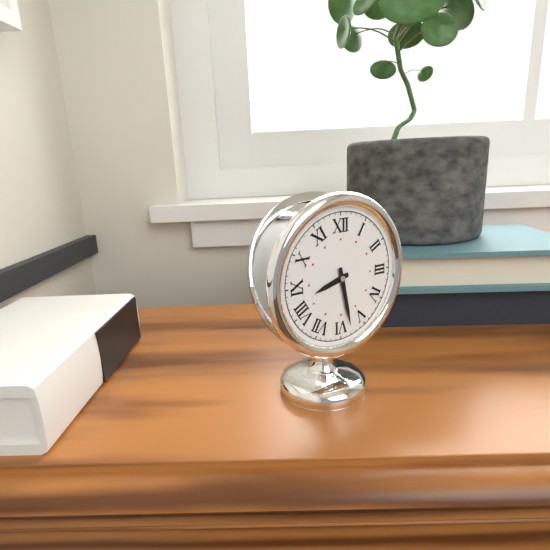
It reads {"hour": 8, "minute": 28}
